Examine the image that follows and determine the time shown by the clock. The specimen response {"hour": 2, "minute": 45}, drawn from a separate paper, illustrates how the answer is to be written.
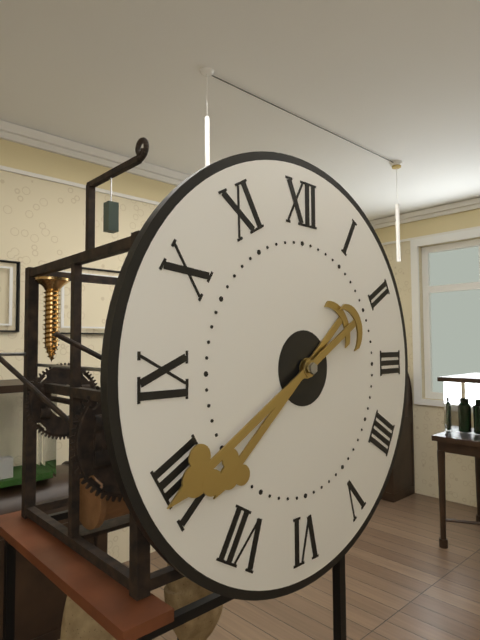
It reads {"hour": 7, "minute": 40}
